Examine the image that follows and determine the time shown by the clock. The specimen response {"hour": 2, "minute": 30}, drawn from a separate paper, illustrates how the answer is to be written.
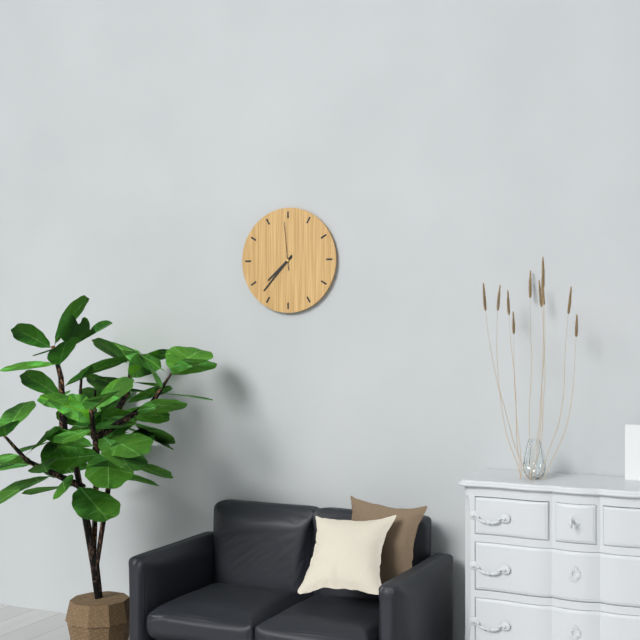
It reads {"hour": 7, "minute": 37}
